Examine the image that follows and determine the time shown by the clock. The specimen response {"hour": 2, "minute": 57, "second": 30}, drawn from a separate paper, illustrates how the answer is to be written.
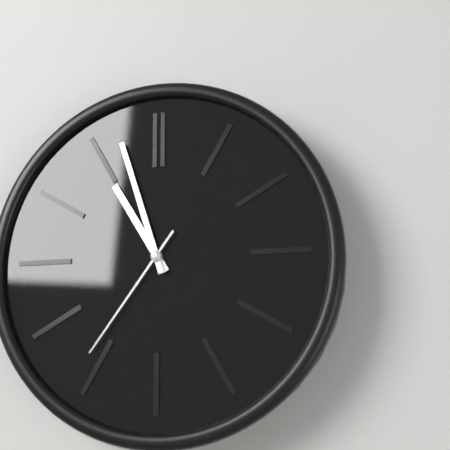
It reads {"hour": 10, "minute": 57, "second": 36}
